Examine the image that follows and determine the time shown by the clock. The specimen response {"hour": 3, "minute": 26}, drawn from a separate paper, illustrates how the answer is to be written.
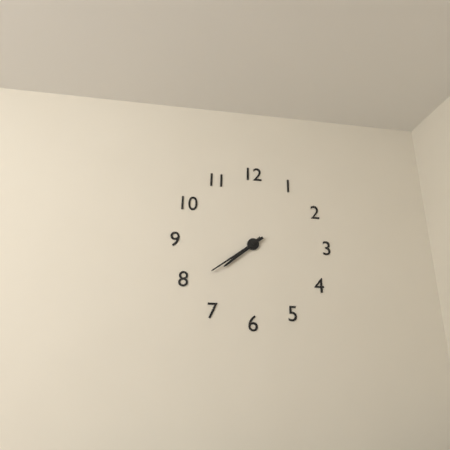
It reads {"hour": 7, "minute": 39}
